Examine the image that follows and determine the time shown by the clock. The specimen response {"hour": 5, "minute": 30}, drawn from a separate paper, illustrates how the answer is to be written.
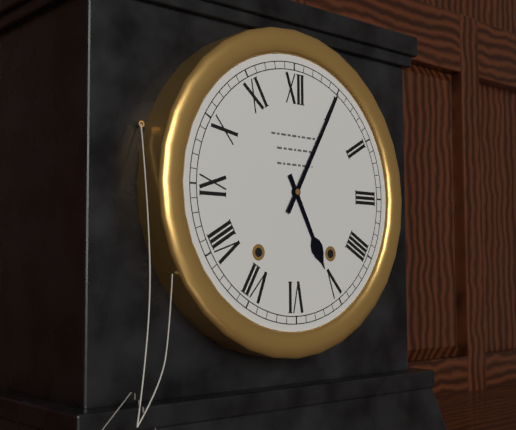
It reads {"hour": 5, "minute": 5}
